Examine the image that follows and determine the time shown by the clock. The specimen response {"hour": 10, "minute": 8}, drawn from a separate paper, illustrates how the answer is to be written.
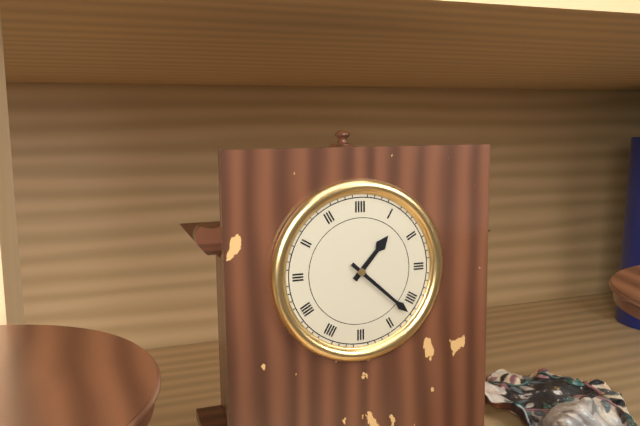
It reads {"hour": 1, "minute": 22}
